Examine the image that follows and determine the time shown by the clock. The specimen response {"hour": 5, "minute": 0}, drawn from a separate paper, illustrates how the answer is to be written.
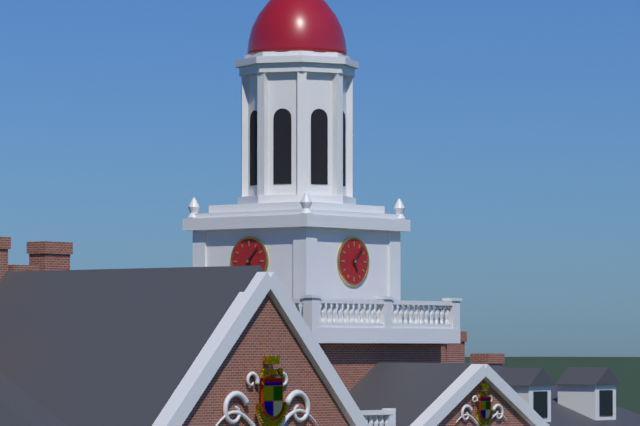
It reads {"hour": 5, "minute": 7}
